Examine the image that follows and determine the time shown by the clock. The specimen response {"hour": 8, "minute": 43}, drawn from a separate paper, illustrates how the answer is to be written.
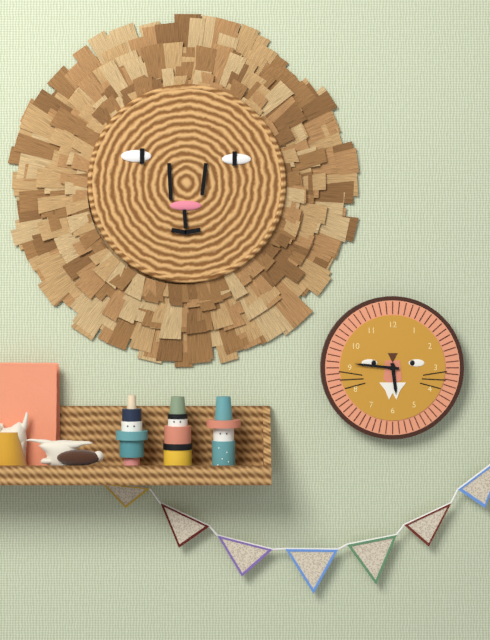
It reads {"hour": 5, "minute": 46}
